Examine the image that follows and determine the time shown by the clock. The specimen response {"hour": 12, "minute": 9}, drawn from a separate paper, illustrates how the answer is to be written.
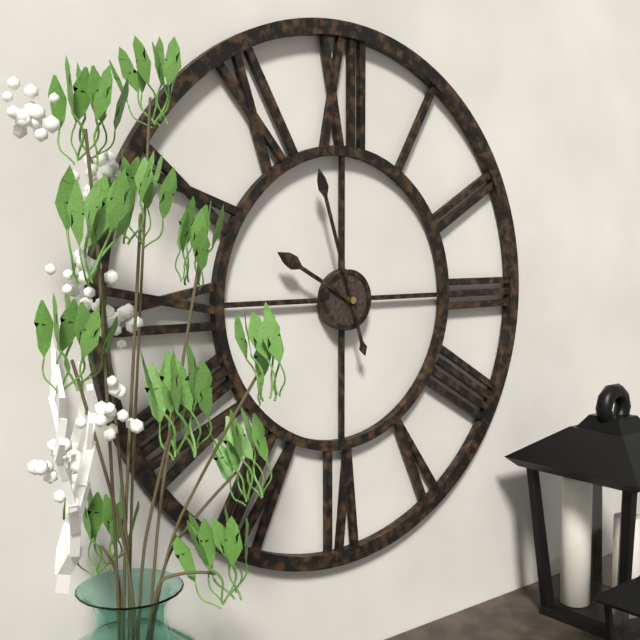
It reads {"hour": 9, "minute": 57}
